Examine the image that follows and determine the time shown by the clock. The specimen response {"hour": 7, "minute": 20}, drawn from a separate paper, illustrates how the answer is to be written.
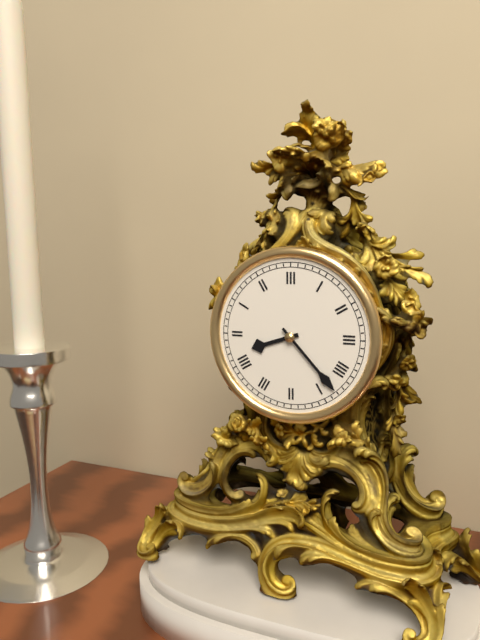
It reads {"hour": 8, "minute": 23}
